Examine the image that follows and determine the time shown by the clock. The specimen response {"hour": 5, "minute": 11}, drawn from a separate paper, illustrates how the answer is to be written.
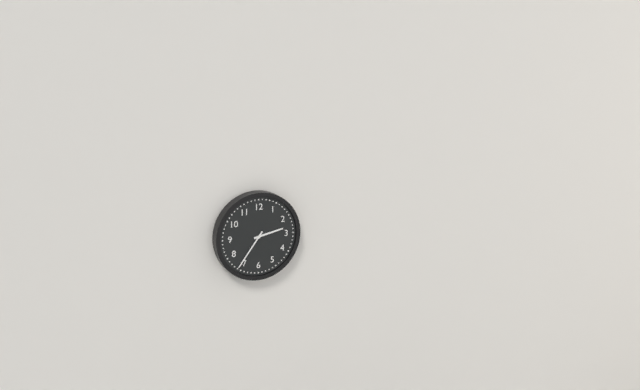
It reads {"hour": 2, "minute": 36}
